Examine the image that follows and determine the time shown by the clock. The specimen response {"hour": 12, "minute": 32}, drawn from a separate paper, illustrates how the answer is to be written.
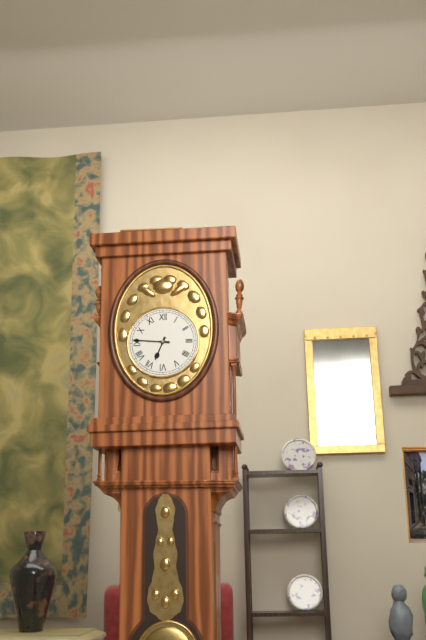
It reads {"hour": 6, "minute": 46}
